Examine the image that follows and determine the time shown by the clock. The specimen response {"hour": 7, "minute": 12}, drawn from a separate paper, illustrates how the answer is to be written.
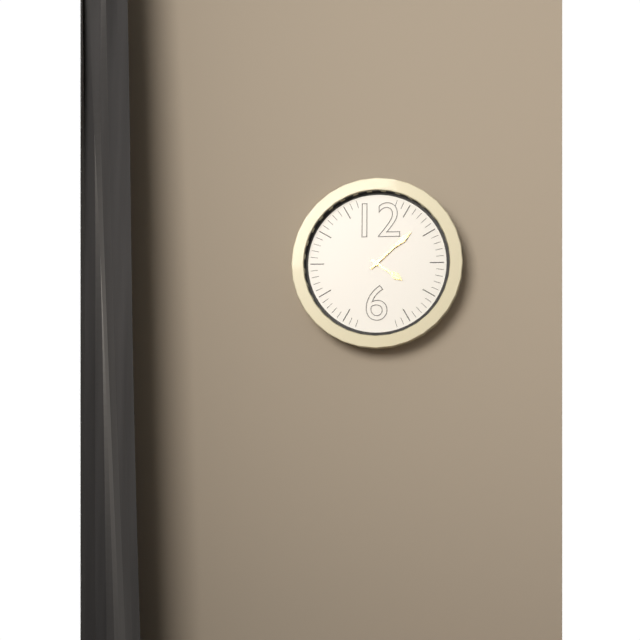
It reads {"hour": 4, "minute": 8}
